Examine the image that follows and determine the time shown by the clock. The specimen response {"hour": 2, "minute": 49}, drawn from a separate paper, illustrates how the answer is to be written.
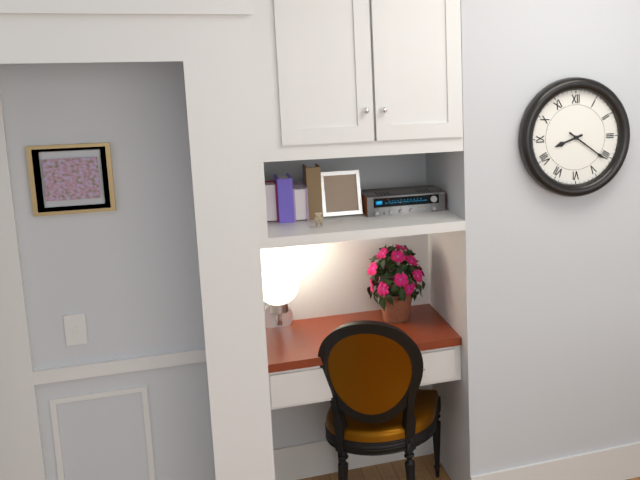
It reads {"hour": 8, "minute": 21}
